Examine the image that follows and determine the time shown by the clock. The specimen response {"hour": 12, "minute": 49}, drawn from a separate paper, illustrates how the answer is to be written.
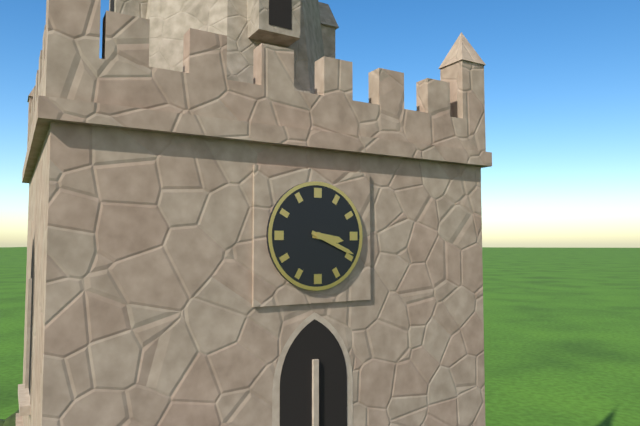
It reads {"hour": 3, "minute": 19}
